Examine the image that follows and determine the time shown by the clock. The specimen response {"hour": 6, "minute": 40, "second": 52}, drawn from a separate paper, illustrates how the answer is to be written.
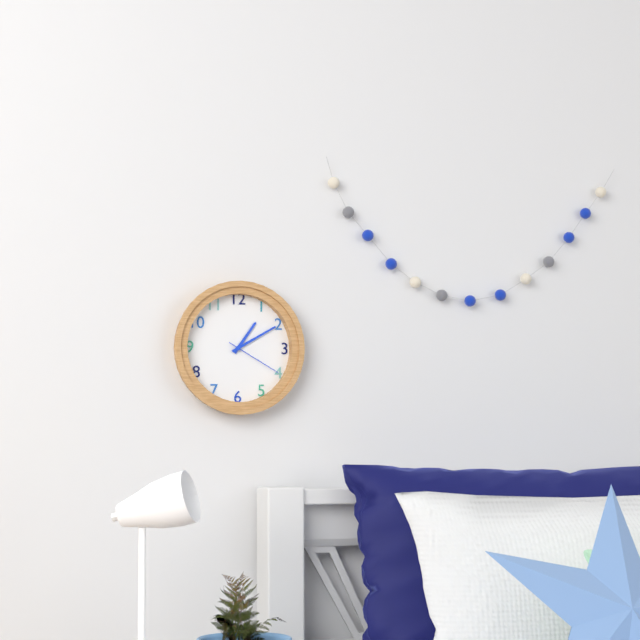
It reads {"hour": 1, "minute": 10, "second": 20}
